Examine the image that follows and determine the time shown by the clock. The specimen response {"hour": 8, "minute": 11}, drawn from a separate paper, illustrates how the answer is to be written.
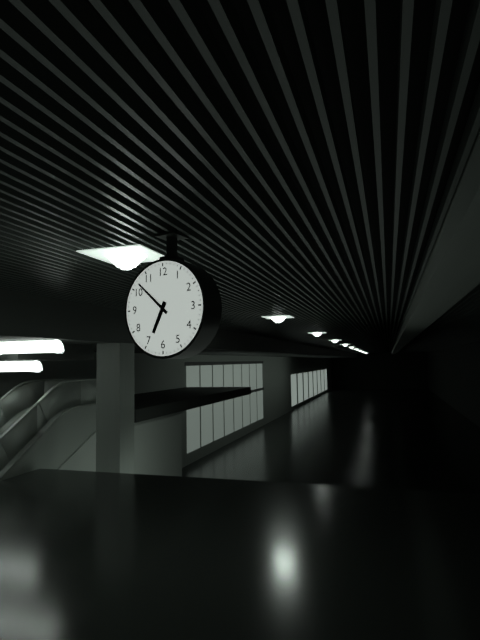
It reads {"hour": 6, "minute": 52}
